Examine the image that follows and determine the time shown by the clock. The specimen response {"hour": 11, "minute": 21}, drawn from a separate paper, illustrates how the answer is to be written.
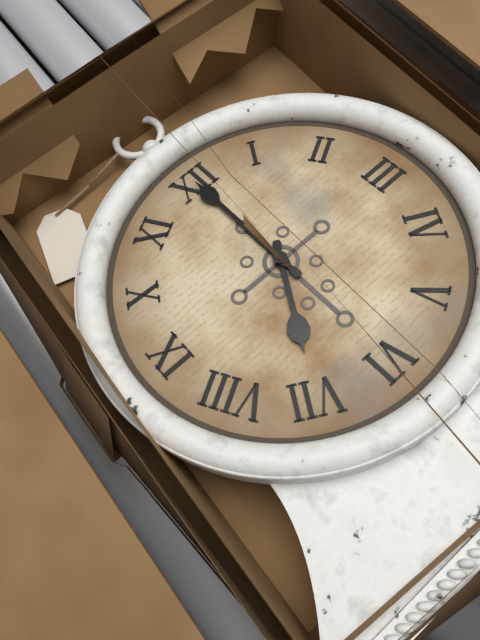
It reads {"hour": 7, "minute": 0}
